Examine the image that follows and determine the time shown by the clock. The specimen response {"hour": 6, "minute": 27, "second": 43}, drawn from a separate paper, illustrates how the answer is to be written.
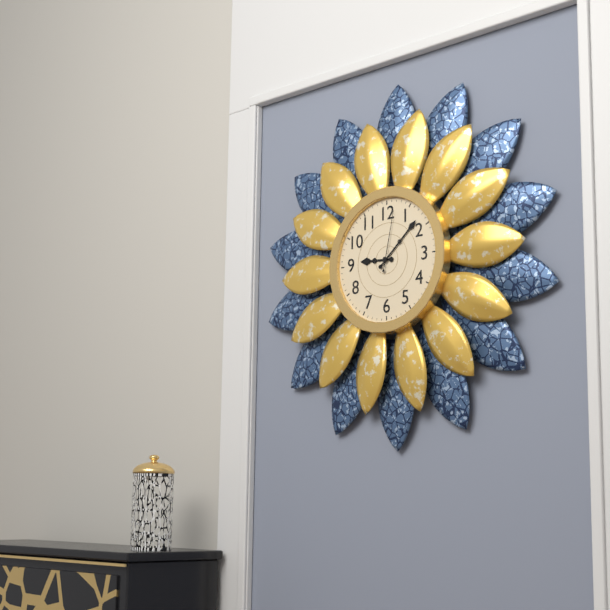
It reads {"hour": 9, "minute": 8, "second": 2}
